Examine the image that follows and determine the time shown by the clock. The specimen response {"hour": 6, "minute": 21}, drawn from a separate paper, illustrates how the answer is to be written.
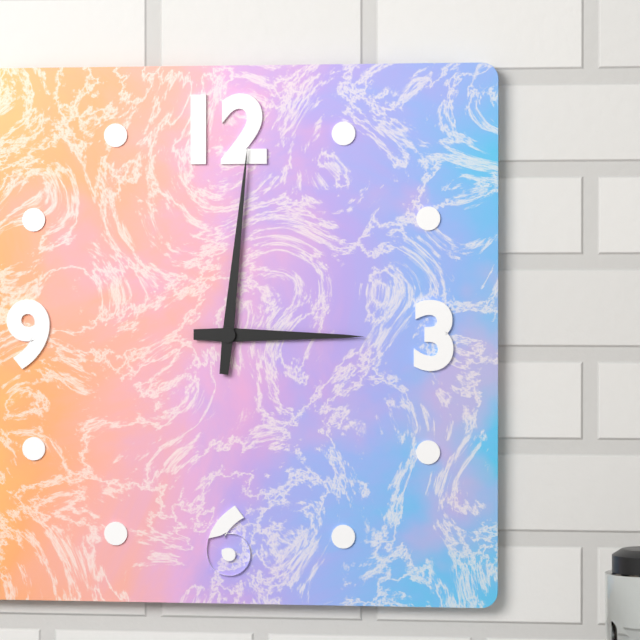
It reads {"hour": 3, "minute": 1}
